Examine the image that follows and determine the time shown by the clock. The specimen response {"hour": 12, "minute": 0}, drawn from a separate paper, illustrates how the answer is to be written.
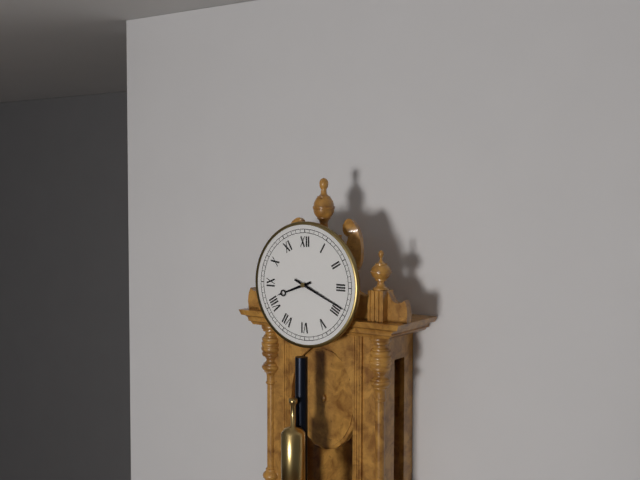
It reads {"hour": 8, "minute": 19}
